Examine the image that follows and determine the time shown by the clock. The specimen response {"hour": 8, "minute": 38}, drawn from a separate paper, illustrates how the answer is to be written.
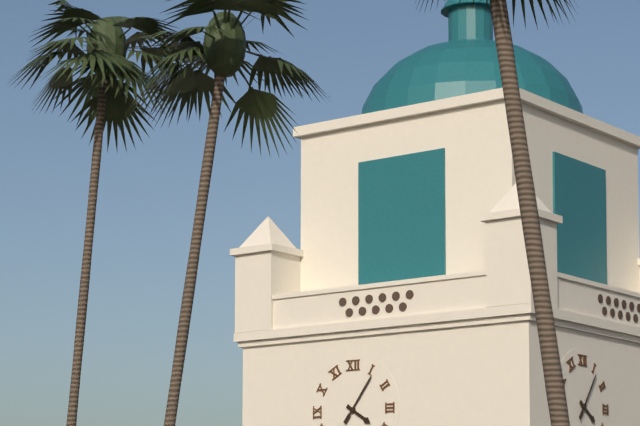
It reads {"hour": 4, "minute": 6}
